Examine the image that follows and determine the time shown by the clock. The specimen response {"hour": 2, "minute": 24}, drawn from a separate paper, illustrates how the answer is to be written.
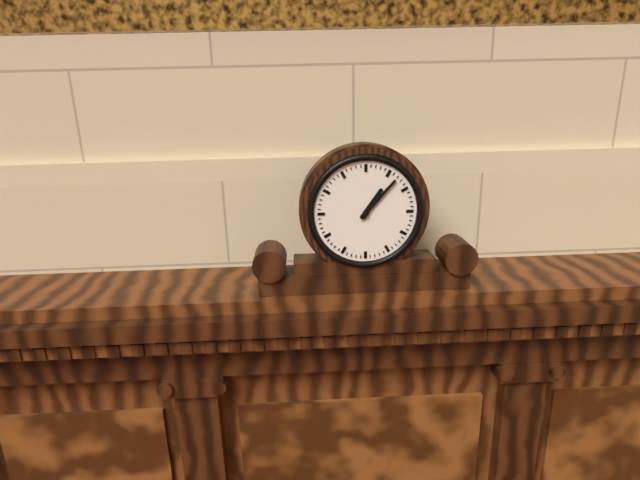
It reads {"hour": 1, "minute": 7}
